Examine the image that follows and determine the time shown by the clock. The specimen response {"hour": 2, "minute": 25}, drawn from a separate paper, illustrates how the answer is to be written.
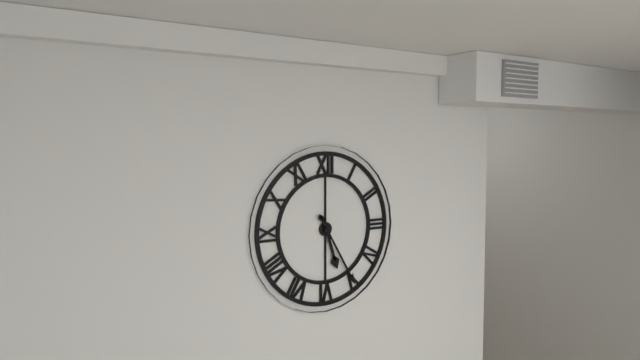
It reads {"hour": 5, "minute": 25}
